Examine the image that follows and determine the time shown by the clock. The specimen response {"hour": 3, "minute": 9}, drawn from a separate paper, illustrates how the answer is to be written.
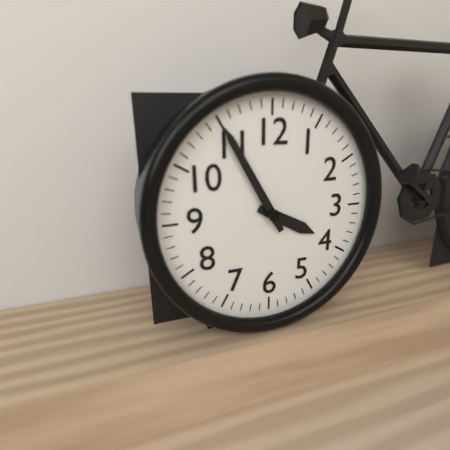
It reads {"hour": 3, "minute": 55}
